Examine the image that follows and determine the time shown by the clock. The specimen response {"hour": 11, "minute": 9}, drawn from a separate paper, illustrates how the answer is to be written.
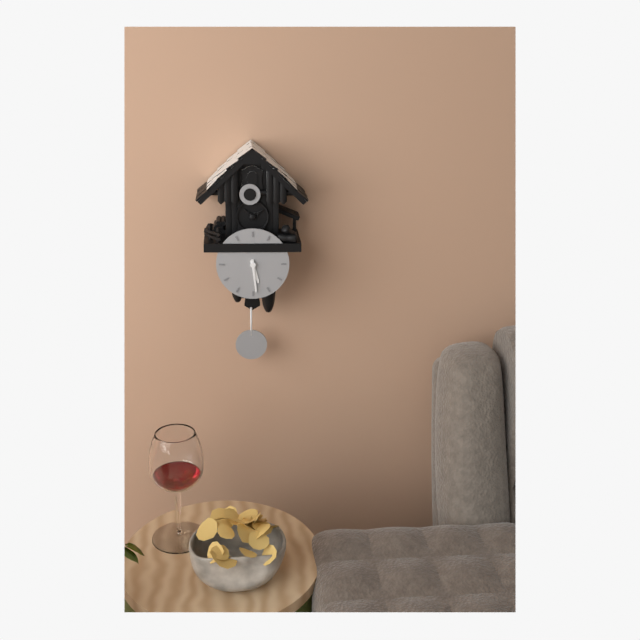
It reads {"hour": 5, "minute": 29}
